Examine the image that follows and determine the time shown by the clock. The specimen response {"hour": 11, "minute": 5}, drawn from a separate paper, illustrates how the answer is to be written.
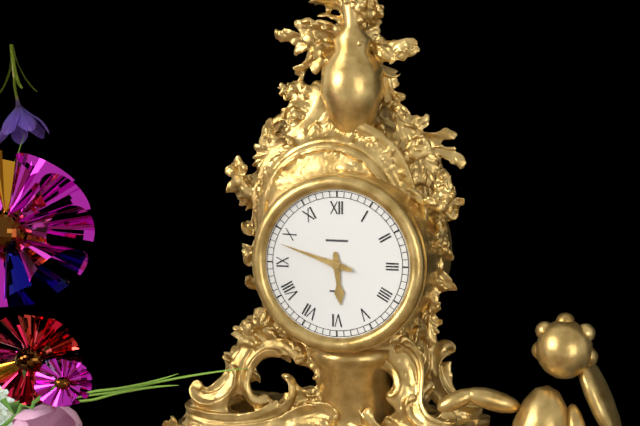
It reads {"hour": 5, "minute": 48}
